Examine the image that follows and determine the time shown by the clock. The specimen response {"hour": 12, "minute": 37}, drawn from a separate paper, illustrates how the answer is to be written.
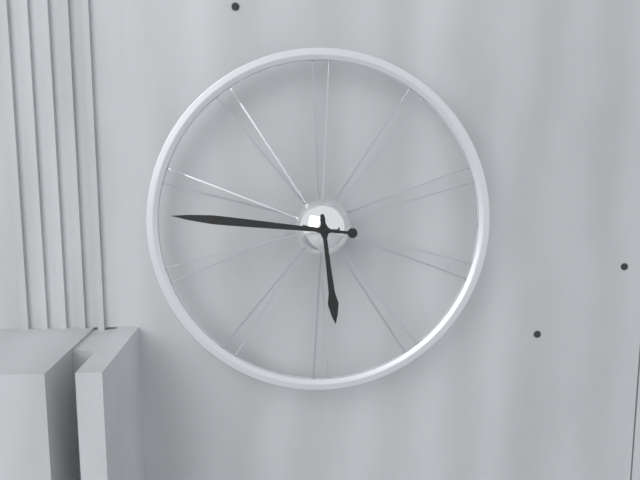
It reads {"hour": 5, "minute": 46}
